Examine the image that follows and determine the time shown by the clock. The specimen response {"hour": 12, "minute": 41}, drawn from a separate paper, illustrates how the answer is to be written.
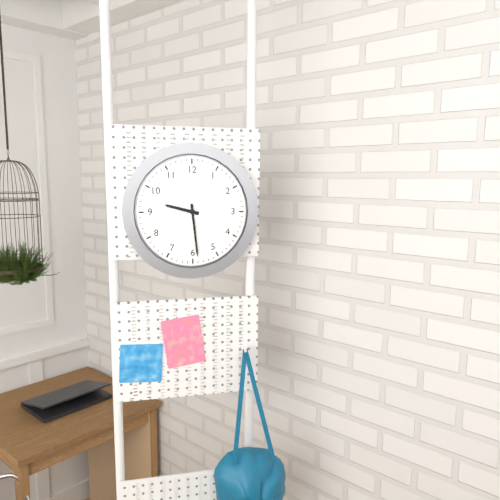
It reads {"hour": 9, "minute": 29}
